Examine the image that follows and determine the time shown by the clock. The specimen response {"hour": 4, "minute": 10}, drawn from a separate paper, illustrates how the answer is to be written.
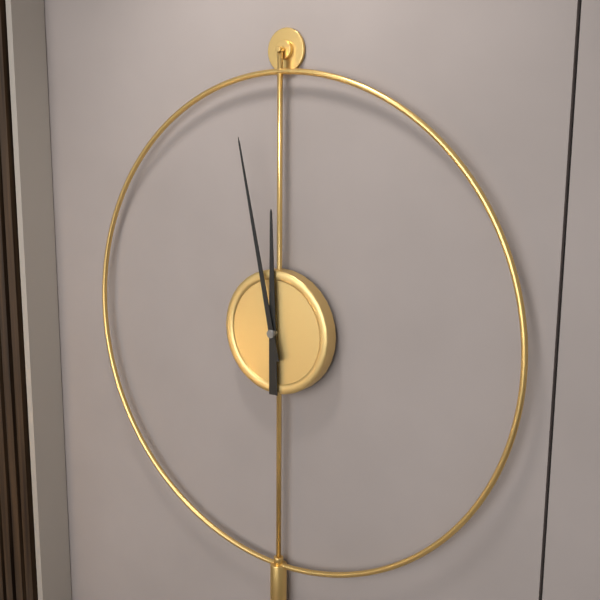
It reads {"hour": 11, "minute": 58}
